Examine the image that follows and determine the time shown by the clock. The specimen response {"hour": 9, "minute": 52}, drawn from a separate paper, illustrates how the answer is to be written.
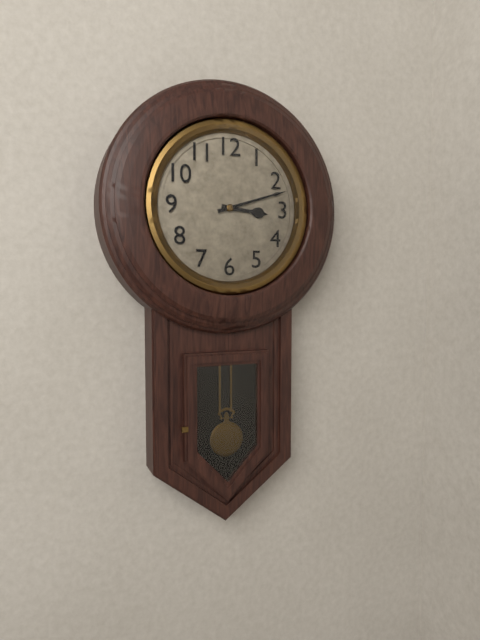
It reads {"hour": 3, "minute": 12}
